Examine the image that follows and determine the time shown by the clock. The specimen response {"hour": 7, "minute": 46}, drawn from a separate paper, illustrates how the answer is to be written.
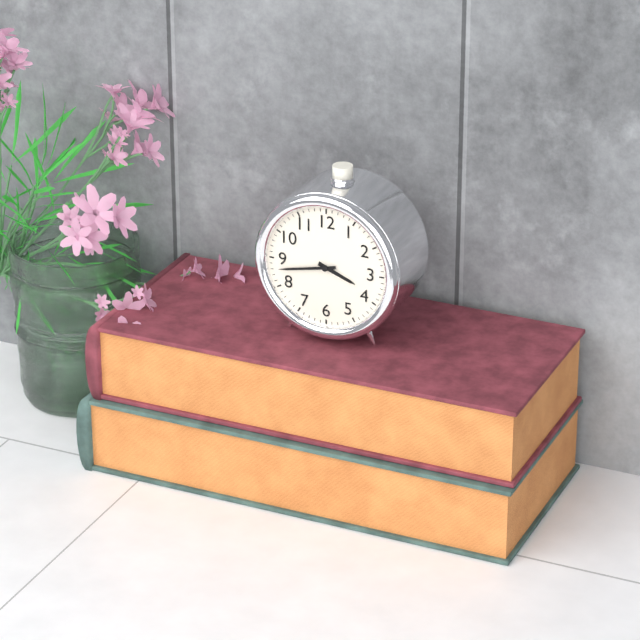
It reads {"hour": 3, "minute": 43}
